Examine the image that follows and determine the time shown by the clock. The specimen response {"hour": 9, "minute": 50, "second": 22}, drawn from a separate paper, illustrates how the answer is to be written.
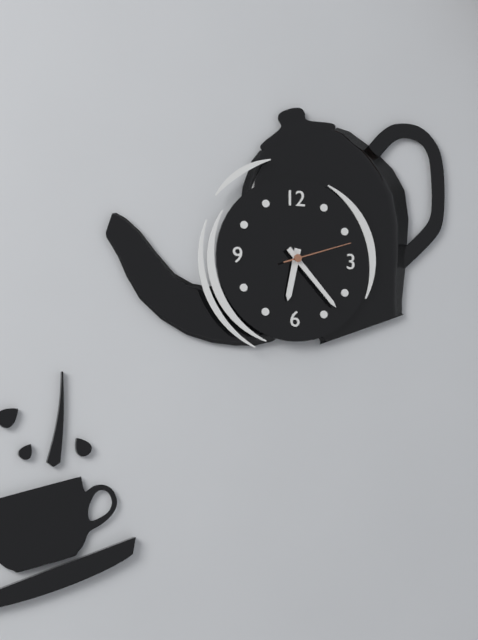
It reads {"hour": 6, "minute": 23, "second": 12}
